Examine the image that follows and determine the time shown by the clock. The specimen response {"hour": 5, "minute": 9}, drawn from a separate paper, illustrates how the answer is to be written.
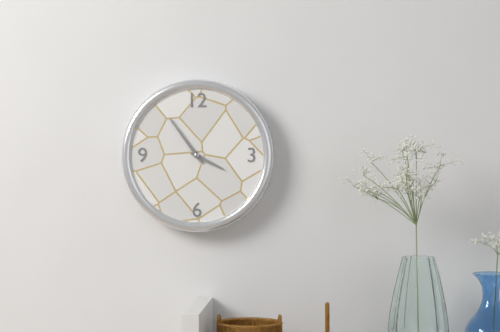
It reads {"hour": 3, "minute": 54}
